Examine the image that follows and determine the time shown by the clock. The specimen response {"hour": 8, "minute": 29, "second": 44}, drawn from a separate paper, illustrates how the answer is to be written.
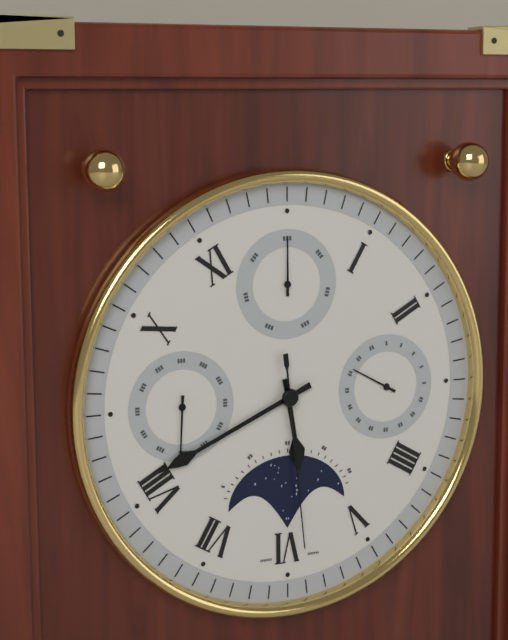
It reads {"hour": 5, "minute": 41, "second": 29}
